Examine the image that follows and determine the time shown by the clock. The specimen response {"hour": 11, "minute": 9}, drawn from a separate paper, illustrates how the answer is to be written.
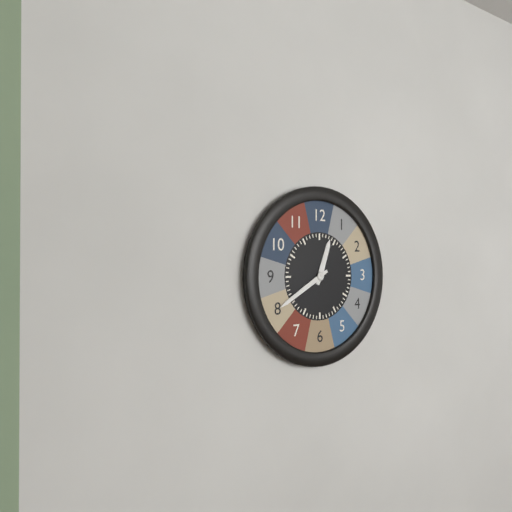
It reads {"hour": 12, "minute": 40}
